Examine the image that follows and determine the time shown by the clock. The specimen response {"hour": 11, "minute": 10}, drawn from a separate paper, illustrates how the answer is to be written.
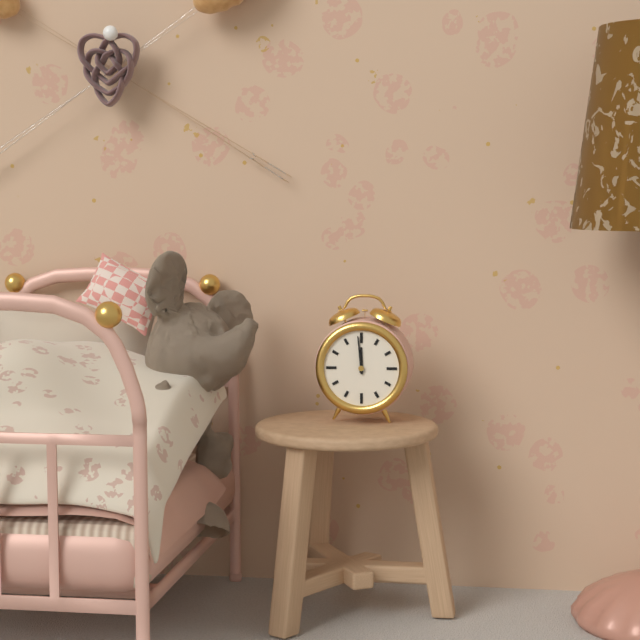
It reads {"hour": 11, "minute": 59}
